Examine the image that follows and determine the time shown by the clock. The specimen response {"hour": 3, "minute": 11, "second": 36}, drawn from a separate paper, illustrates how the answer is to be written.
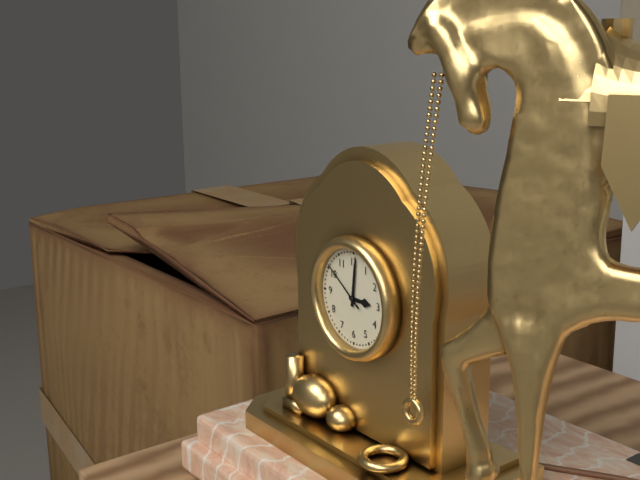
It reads {"hour": 3, "minute": 1, "second": 51}
